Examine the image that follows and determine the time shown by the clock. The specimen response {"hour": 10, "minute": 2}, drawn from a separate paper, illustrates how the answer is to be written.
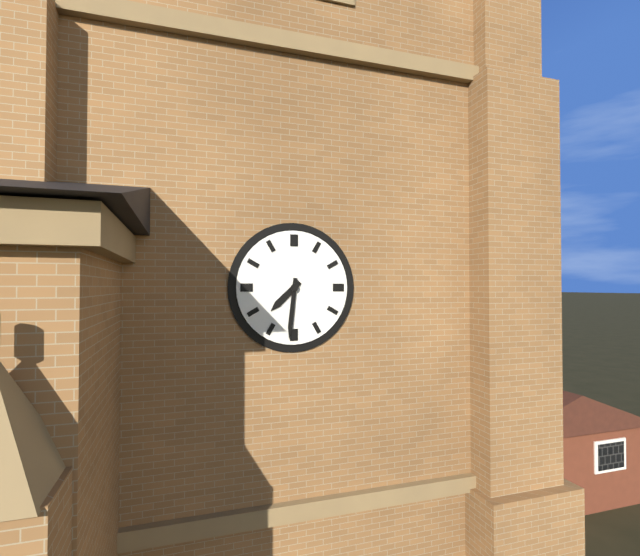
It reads {"hour": 7, "minute": 31}
